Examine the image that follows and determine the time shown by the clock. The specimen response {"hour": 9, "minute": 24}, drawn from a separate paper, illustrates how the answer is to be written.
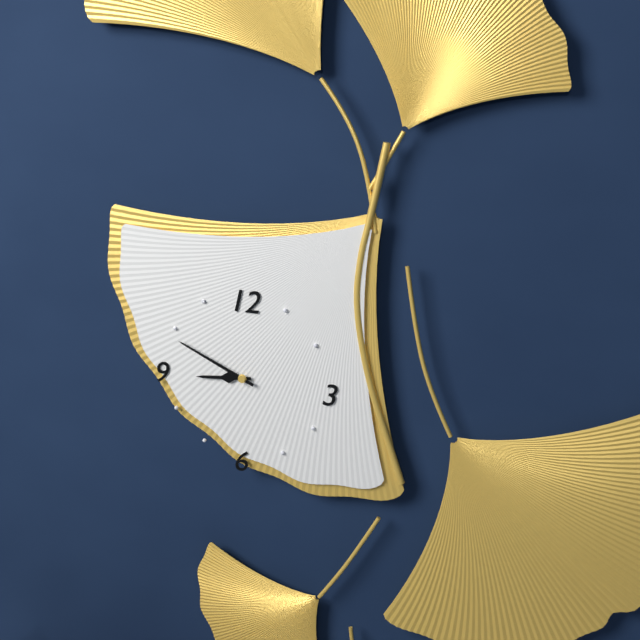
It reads {"hour": 8, "minute": 49}
